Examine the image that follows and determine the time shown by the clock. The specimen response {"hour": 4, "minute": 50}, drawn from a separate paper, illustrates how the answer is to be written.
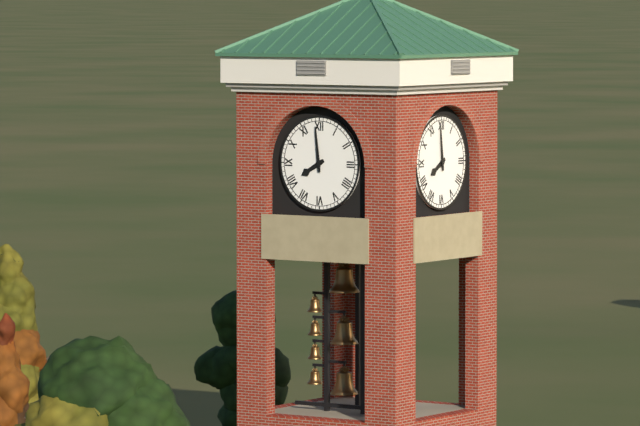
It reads {"hour": 7, "minute": 59}
